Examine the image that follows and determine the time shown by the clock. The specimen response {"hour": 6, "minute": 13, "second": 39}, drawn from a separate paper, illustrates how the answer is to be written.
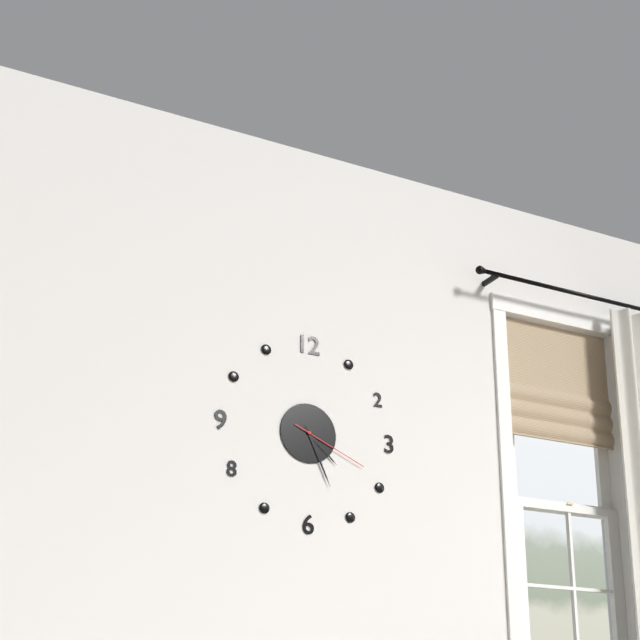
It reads {"hour": 4, "minute": 26, "second": 19}
